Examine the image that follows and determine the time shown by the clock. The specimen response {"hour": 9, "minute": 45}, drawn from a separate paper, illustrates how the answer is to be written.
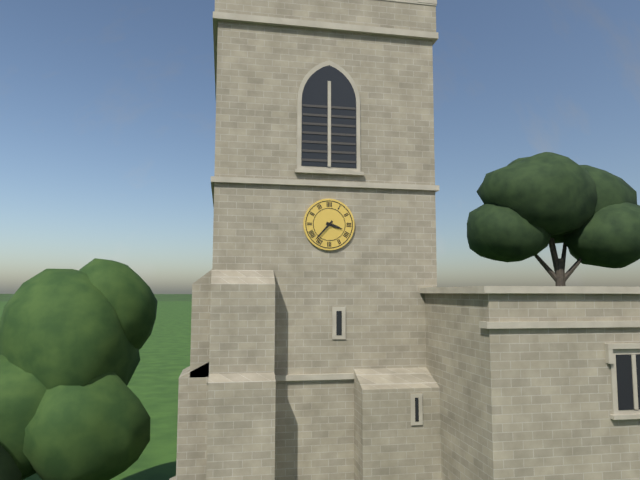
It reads {"hour": 3, "minute": 37}
